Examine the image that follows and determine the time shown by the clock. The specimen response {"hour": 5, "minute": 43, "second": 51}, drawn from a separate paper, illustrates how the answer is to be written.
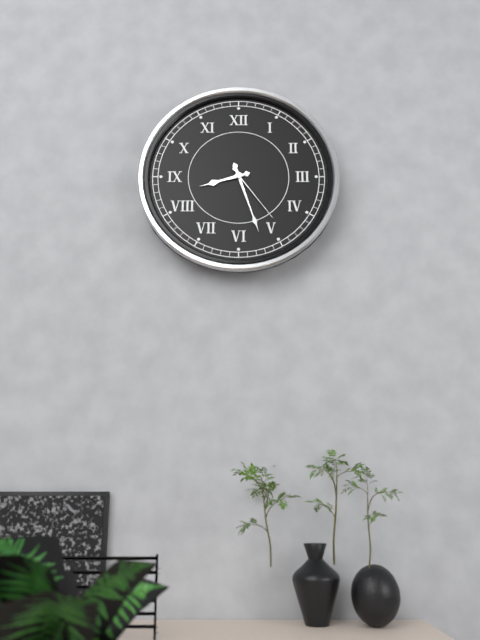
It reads {"hour": 8, "minute": 27, "second": 24}
